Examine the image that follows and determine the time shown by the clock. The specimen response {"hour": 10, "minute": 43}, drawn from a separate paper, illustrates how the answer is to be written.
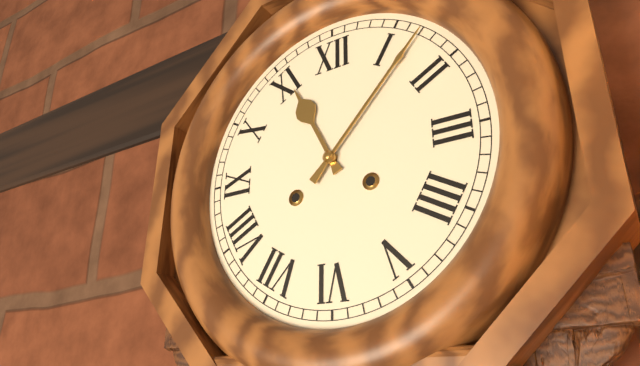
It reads {"hour": 11, "minute": 7}
